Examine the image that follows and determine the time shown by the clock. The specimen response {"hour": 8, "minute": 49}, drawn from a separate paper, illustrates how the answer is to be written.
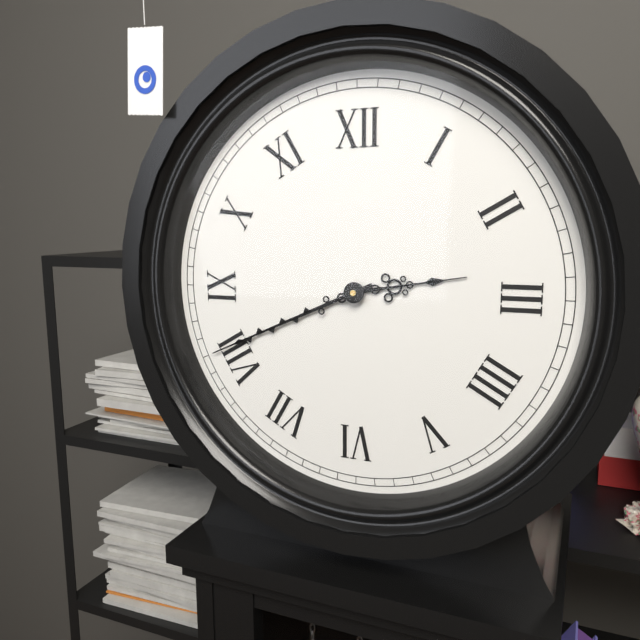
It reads {"hour": 2, "minute": 41}
